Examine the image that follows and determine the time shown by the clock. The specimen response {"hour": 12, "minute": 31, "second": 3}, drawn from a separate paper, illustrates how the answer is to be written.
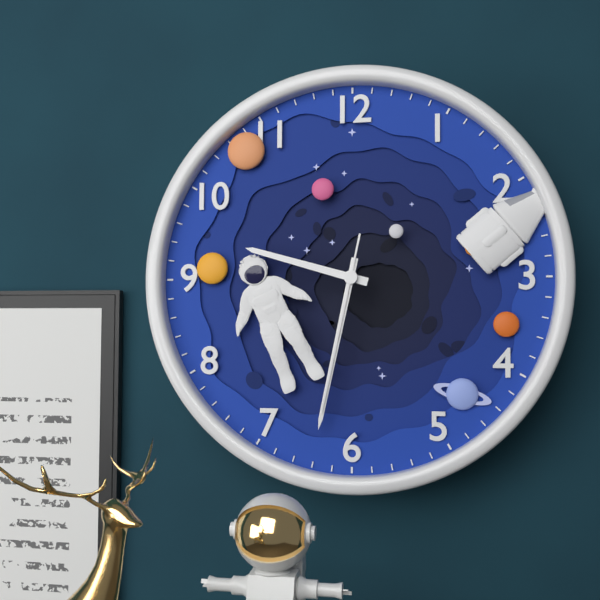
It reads {"hour": 9, "minute": 32, "second": 32}
